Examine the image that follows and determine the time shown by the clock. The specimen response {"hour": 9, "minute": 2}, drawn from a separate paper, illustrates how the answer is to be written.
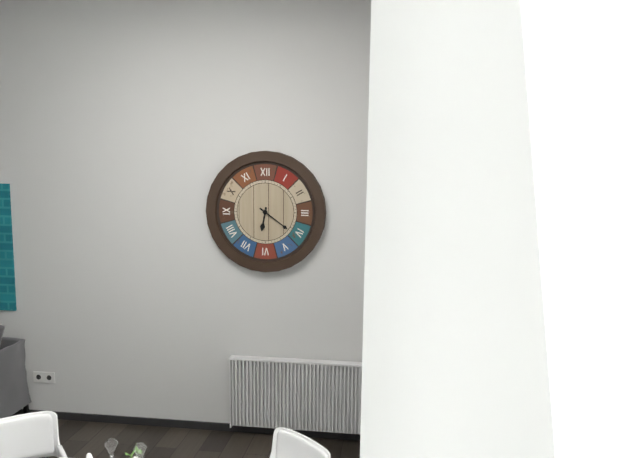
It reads {"hour": 6, "minute": 21}
